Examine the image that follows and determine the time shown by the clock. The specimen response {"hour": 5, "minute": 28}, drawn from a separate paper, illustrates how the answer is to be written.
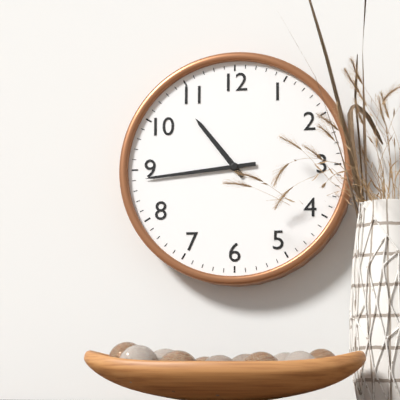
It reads {"hour": 10, "minute": 44}
